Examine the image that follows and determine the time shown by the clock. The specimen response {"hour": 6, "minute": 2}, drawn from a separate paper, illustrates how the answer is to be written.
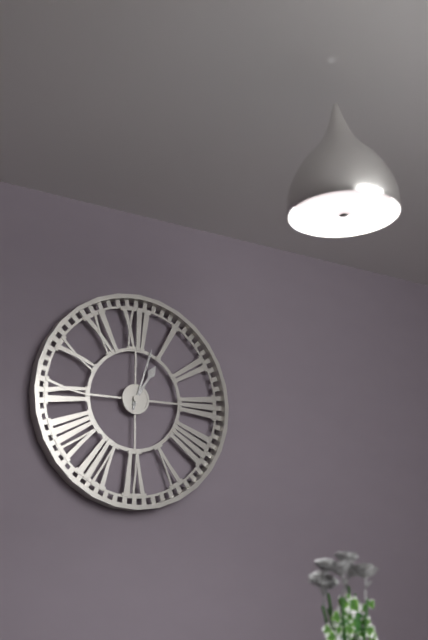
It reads {"hour": 1, "minute": 3}
